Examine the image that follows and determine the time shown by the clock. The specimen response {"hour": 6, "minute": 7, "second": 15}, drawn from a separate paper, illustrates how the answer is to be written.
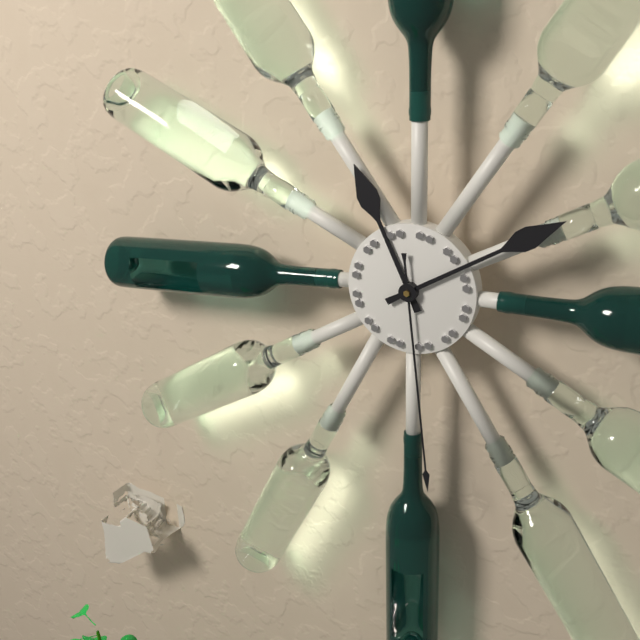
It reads {"hour": 11, "minute": 10, "second": 29}
